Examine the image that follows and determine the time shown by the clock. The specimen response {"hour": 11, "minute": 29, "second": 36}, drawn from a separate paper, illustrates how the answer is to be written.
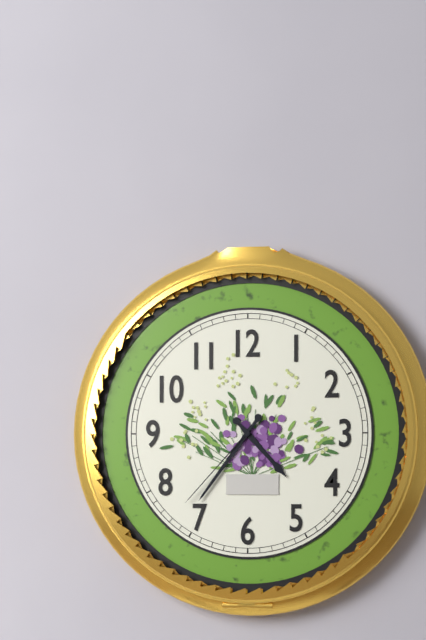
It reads {"hour": 4, "minute": 36, "second": 37}
